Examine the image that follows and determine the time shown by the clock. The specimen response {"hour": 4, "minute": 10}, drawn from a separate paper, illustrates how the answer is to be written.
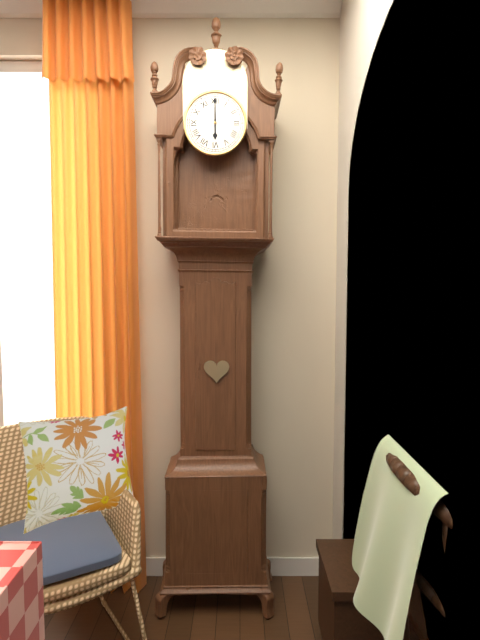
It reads {"hour": 6, "minute": 0}
